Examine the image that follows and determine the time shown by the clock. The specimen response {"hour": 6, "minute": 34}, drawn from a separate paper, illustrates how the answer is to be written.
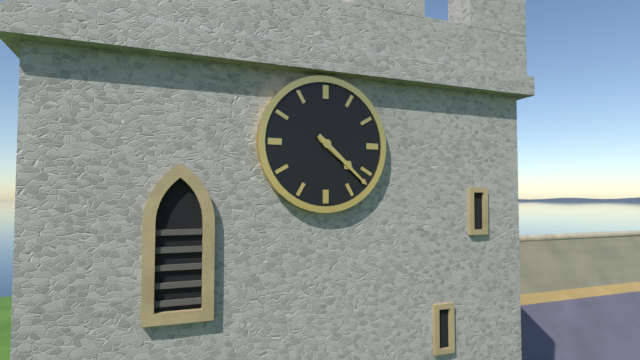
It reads {"hour": 4, "minute": 22}
